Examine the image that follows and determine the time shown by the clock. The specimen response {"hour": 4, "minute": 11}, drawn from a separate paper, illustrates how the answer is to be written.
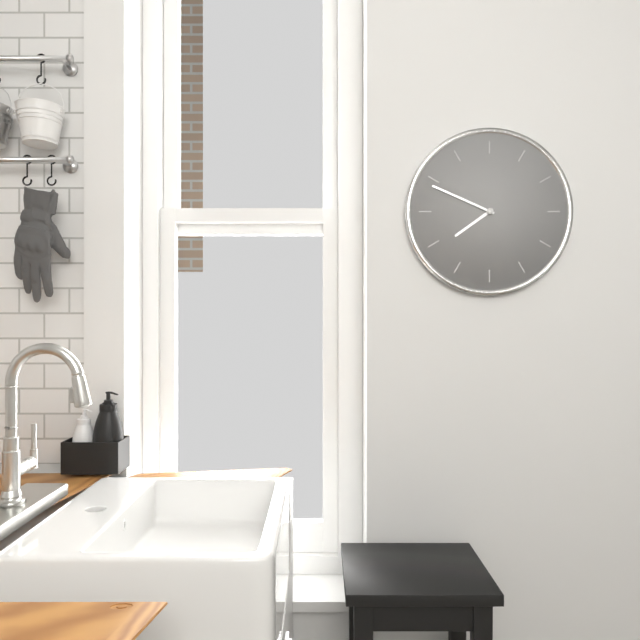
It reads {"hour": 7, "minute": 49}
